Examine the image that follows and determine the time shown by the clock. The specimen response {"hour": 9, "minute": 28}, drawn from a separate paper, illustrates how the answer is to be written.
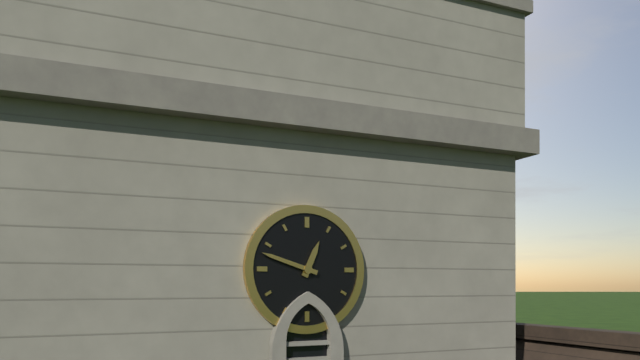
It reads {"hour": 12, "minute": 48}
